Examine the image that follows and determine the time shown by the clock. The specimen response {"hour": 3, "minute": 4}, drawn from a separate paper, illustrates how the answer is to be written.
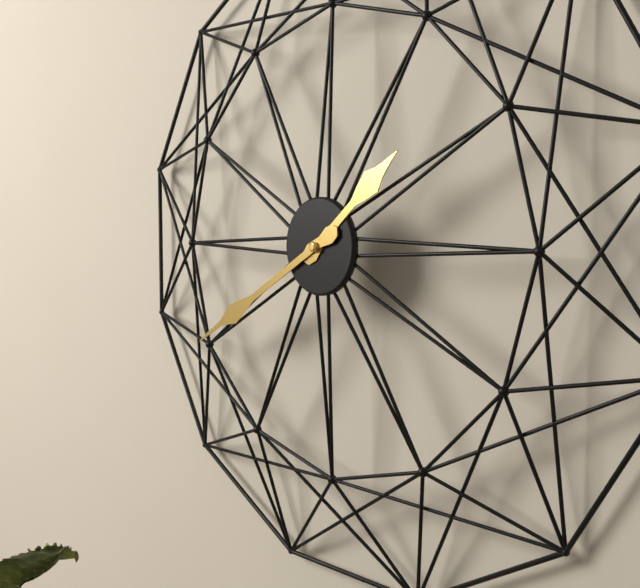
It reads {"hour": 1, "minute": 40}
